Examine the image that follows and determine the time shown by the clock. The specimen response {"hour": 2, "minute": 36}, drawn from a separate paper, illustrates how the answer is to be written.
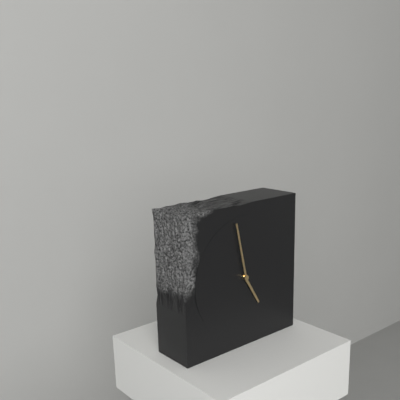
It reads {"hour": 4, "minute": 58}
